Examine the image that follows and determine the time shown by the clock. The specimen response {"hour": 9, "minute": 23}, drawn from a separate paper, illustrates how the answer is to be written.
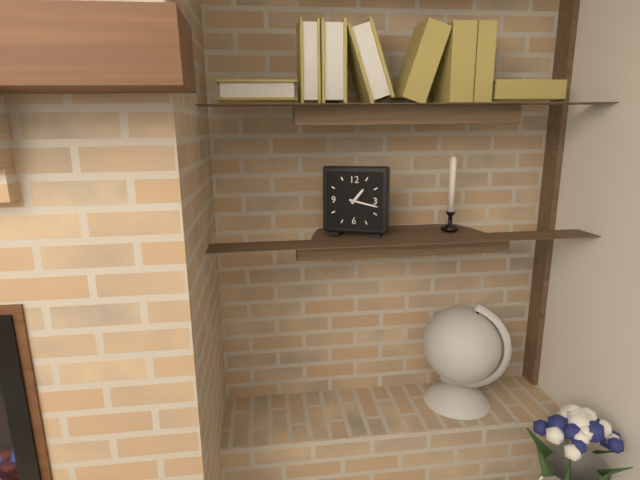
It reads {"hour": 1, "minute": 17}
